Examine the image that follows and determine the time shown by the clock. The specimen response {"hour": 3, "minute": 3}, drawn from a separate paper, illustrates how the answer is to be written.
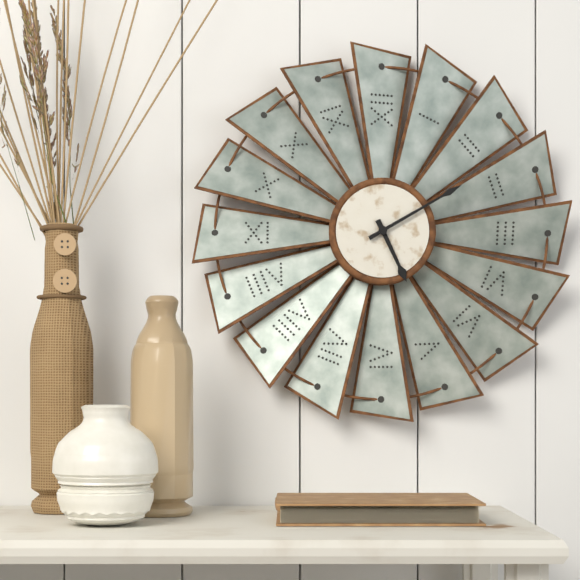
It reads {"hour": 5, "minute": 10}
